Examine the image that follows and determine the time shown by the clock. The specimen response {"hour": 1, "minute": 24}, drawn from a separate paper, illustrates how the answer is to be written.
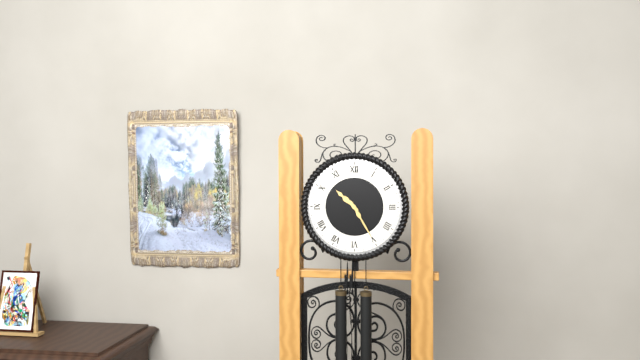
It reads {"hour": 10, "minute": 25}
